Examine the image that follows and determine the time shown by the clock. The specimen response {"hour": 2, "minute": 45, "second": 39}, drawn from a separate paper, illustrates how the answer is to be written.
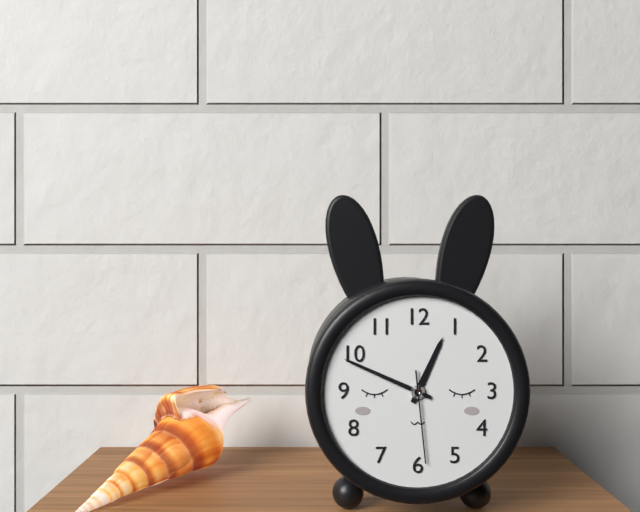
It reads {"hour": 12, "minute": 49, "second": 29}
